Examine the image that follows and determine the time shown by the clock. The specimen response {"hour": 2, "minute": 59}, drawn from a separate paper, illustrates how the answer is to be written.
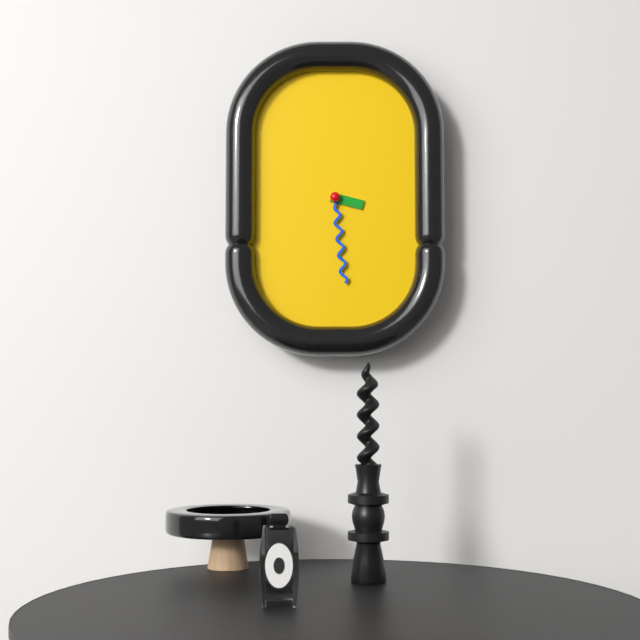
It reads {"hour": 3, "minute": 29}
